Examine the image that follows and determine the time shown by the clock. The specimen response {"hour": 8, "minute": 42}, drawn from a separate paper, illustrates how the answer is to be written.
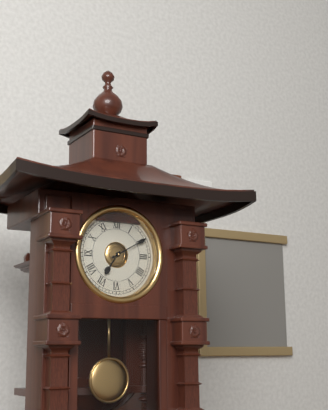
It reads {"hour": 7, "minute": 10}
